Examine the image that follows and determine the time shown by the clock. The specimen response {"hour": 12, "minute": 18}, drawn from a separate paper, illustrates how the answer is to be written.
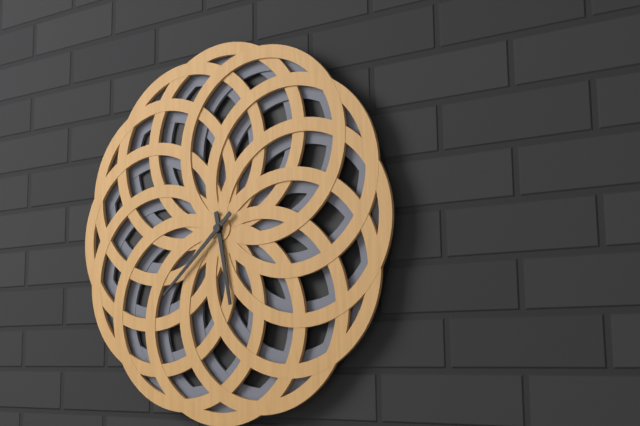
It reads {"hour": 5, "minute": 38}
